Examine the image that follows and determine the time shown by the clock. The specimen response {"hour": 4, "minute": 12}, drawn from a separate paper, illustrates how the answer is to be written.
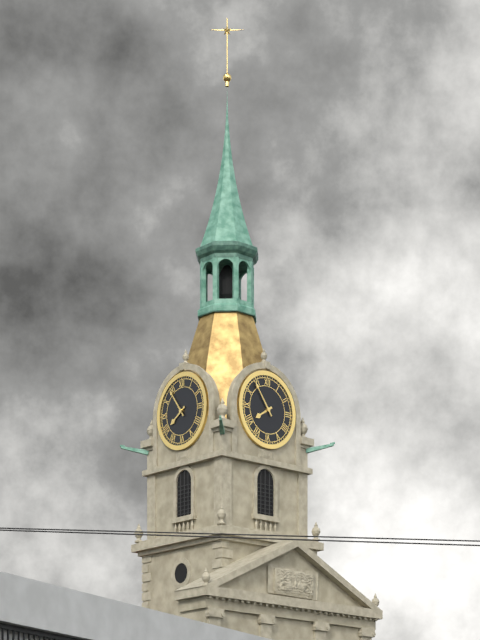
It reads {"hour": 7, "minute": 54}
